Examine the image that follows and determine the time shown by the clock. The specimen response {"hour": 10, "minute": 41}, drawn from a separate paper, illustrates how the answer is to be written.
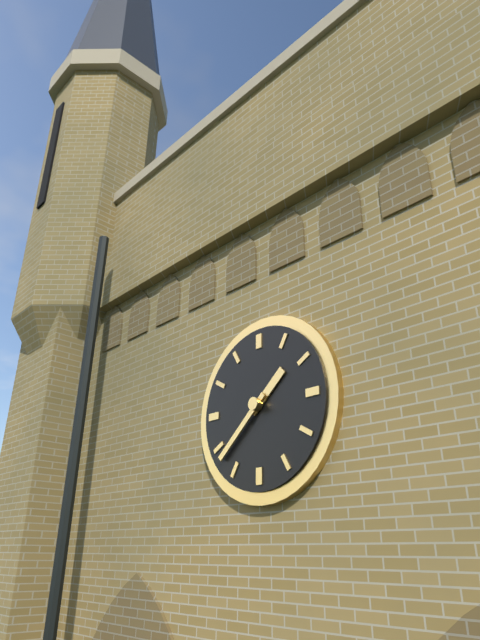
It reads {"hour": 1, "minute": 38}
